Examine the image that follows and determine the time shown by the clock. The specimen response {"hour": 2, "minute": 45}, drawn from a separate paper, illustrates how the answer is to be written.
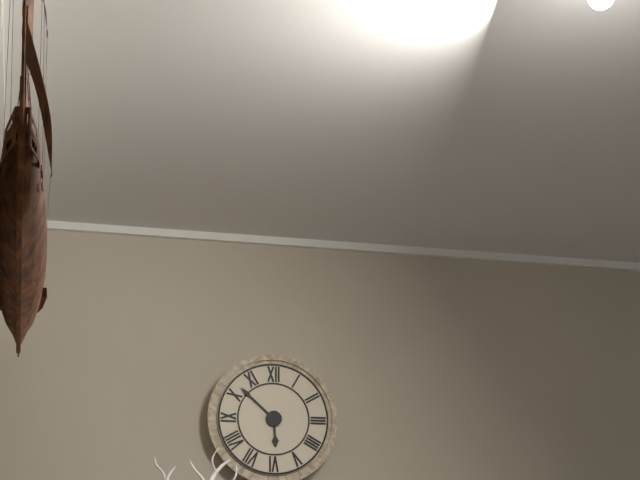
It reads {"hour": 5, "minute": 52}
